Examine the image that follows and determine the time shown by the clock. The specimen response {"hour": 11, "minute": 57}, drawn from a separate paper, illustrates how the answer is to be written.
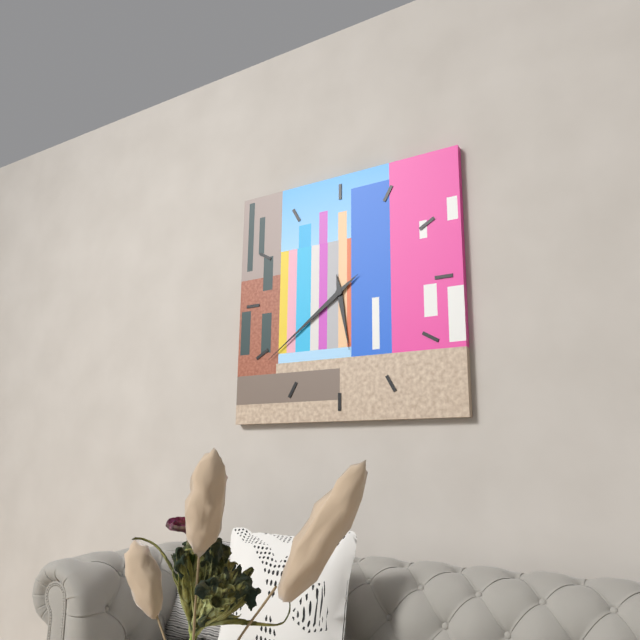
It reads {"hour": 5, "minute": 39}
